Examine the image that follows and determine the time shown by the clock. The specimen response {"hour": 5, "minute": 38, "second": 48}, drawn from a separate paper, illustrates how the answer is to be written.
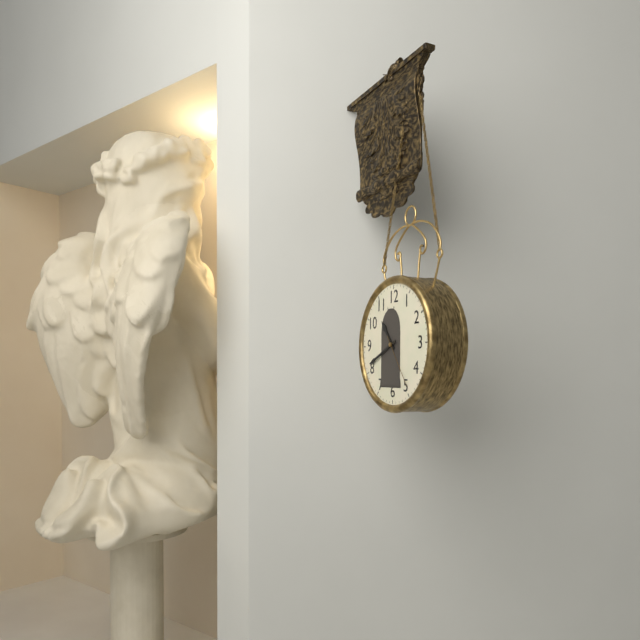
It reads {"hour": 10, "minute": 41, "second": 24}
